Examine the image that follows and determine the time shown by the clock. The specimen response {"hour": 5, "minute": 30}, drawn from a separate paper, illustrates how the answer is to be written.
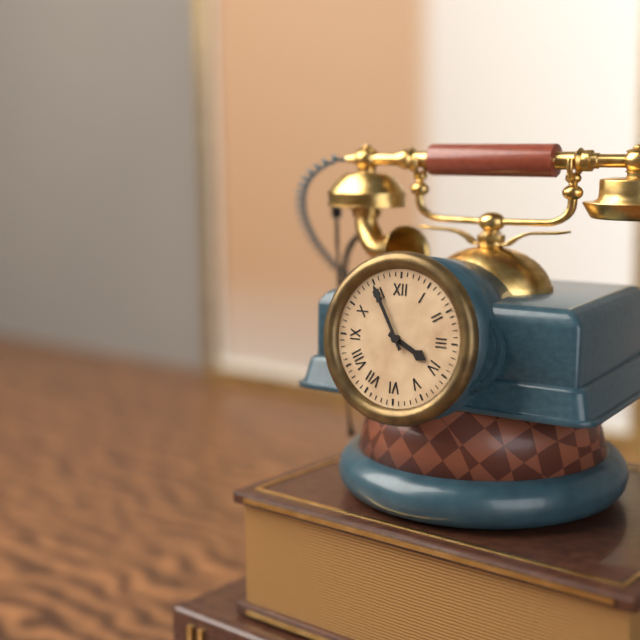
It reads {"hour": 3, "minute": 55}
